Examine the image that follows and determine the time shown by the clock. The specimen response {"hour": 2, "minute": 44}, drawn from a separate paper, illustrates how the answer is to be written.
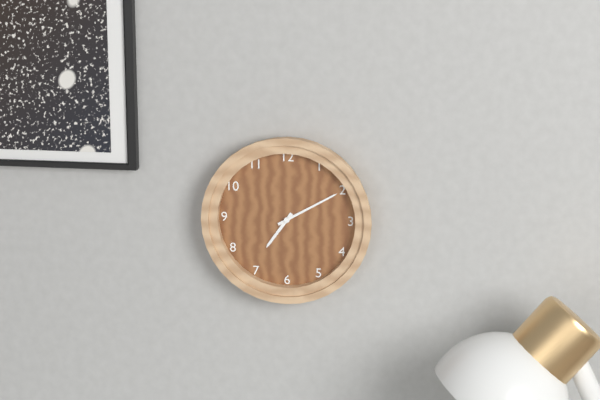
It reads {"hour": 7, "minute": 10}
